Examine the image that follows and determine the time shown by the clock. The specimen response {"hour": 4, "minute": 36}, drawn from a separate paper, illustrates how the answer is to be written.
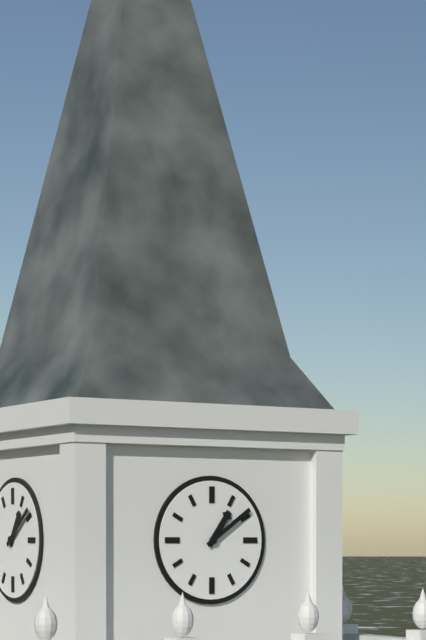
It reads {"hour": 1, "minute": 9}
